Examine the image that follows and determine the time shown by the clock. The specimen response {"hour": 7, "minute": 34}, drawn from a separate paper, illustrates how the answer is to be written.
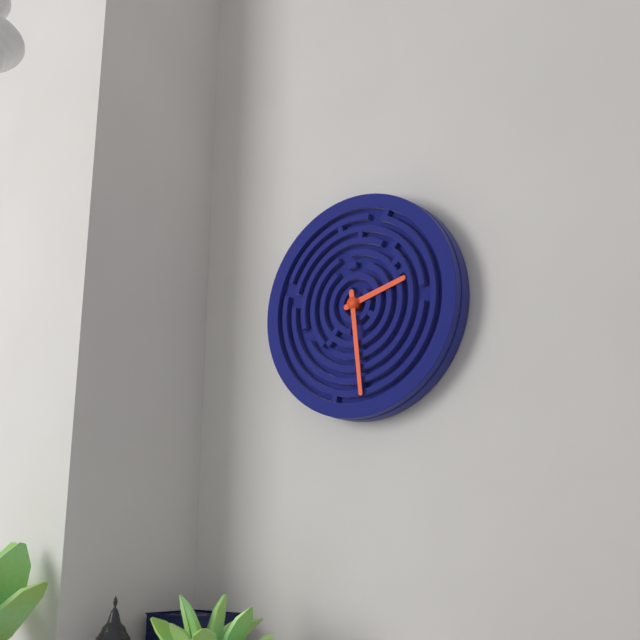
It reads {"hour": 2, "minute": 29}
